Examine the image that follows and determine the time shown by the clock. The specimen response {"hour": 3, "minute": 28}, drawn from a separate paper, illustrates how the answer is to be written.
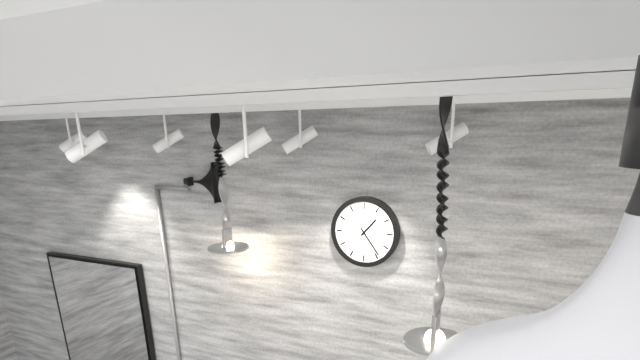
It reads {"hour": 1, "minute": 24}
